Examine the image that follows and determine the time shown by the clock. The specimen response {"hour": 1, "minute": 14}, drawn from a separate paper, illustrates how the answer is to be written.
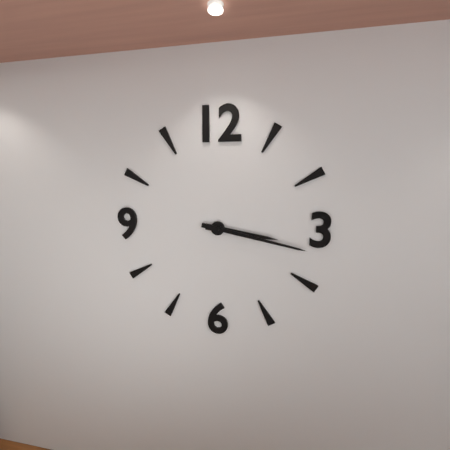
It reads {"hour": 3, "minute": 17}
